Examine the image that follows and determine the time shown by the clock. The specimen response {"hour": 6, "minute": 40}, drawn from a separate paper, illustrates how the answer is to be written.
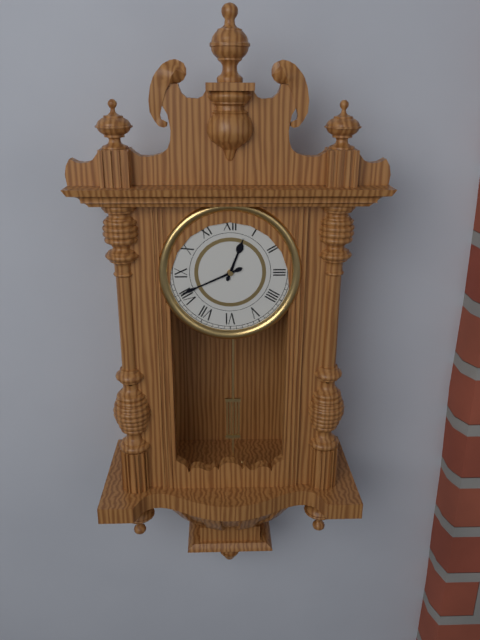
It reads {"hour": 12, "minute": 41}
